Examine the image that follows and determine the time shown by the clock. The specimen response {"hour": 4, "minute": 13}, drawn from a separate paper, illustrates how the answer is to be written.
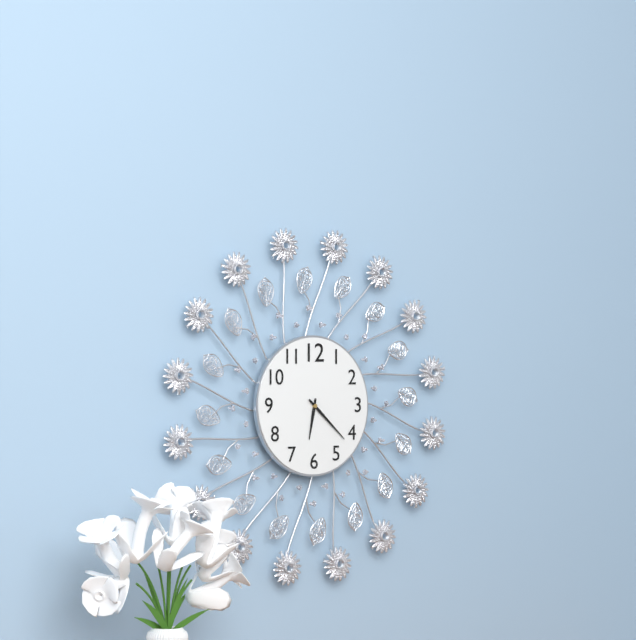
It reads {"hour": 6, "minute": 22}
